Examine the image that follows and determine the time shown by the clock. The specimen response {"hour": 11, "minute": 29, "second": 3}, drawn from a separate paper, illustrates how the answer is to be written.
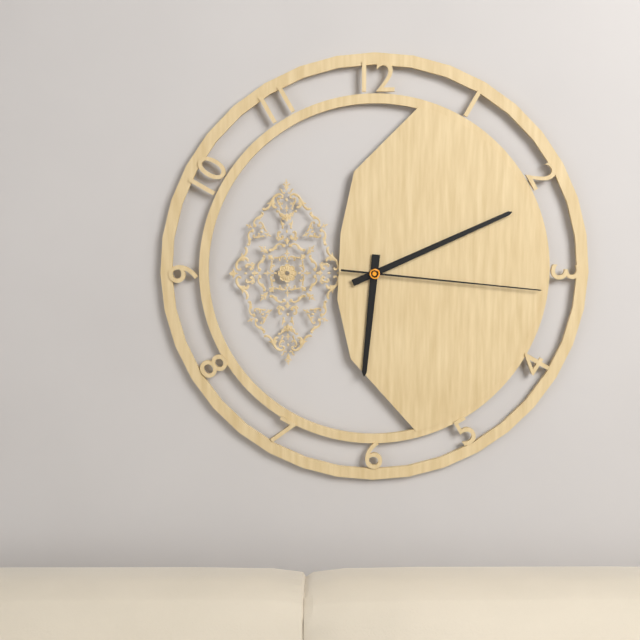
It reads {"hour": 6, "minute": 11, "second": 16}
